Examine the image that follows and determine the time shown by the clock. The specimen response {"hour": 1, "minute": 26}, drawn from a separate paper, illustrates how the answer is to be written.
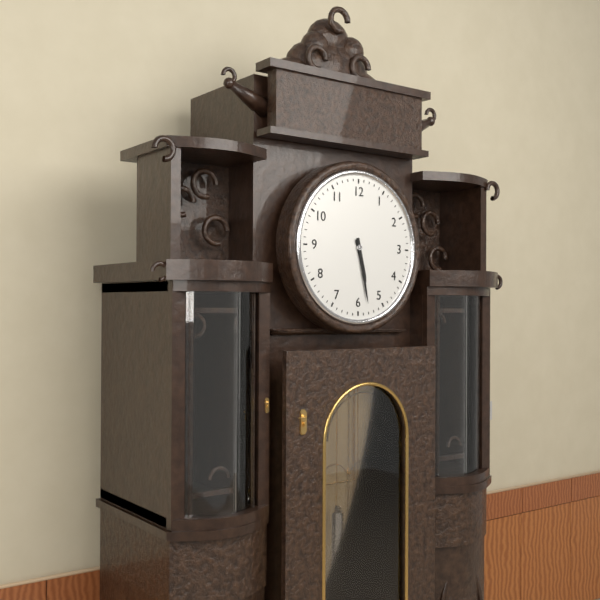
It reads {"hour": 5, "minute": 28}
